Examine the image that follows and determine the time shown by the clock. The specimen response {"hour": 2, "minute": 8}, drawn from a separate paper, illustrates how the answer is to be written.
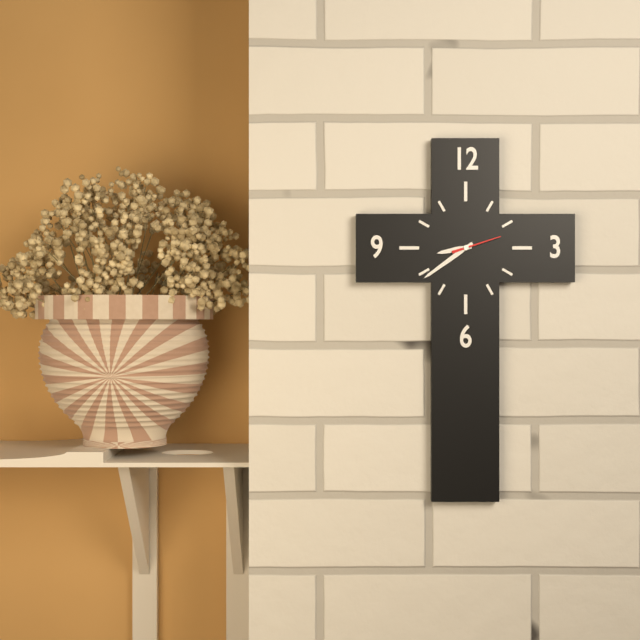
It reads {"hour": 8, "minute": 39}
